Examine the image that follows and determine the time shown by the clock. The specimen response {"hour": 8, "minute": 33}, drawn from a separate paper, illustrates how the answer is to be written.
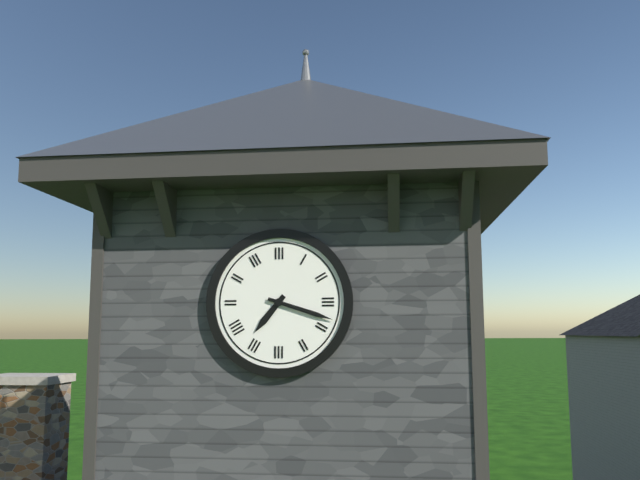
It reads {"hour": 7, "minute": 18}
